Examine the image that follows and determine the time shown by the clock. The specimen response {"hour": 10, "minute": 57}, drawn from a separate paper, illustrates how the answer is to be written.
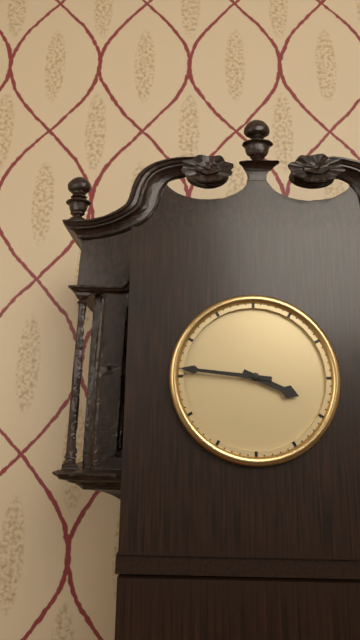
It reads {"hour": 3, "minute": 46}
